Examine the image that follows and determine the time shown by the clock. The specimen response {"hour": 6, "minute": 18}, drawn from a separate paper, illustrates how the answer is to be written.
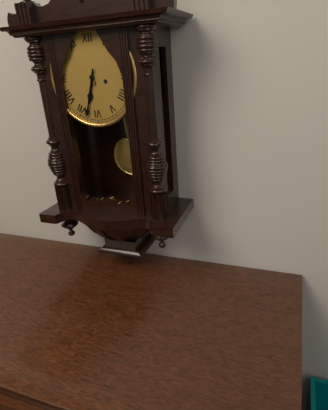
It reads {"hour": 6, "minute": 33}
